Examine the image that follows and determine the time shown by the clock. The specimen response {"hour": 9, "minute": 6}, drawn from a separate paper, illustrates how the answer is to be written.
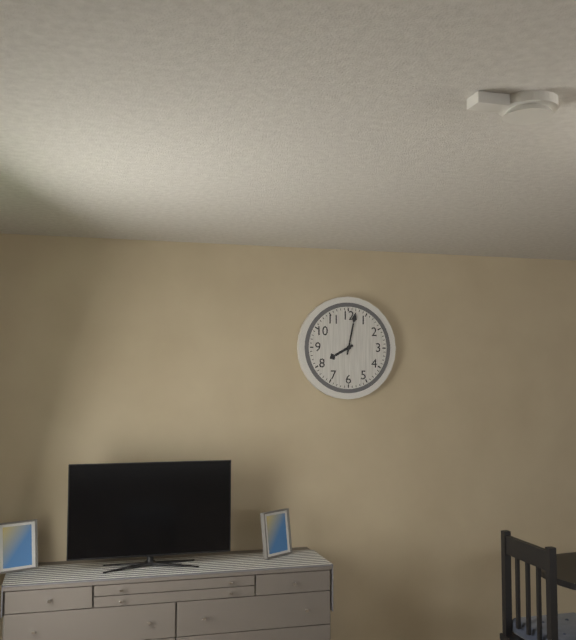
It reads {"hour": 8, "minute": 2}
